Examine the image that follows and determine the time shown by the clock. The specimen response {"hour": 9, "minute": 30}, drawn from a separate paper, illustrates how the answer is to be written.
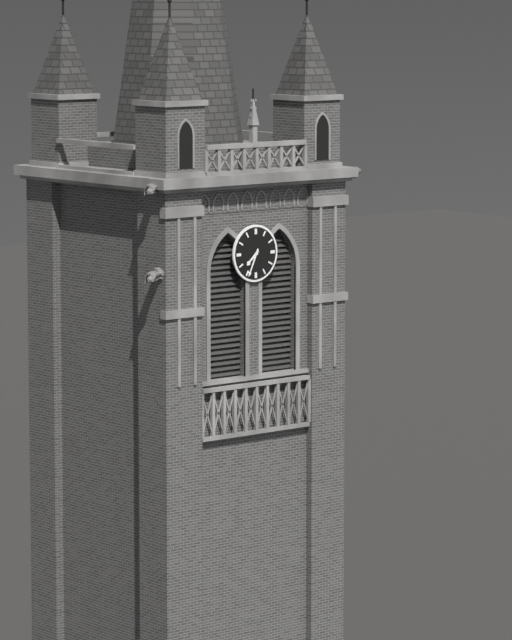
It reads {"hour": 7, "minute": 34}
